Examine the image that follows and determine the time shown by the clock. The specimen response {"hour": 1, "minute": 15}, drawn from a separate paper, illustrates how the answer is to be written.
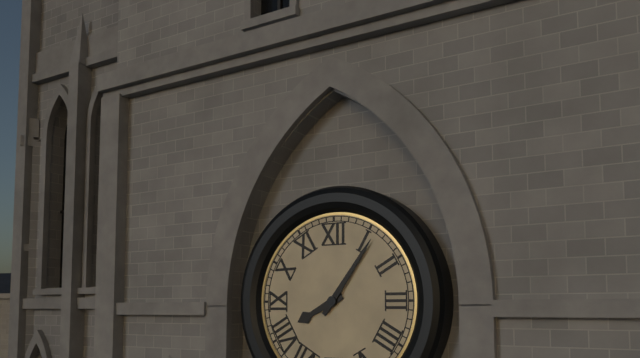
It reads {"hour": 8, "minute": 6}
